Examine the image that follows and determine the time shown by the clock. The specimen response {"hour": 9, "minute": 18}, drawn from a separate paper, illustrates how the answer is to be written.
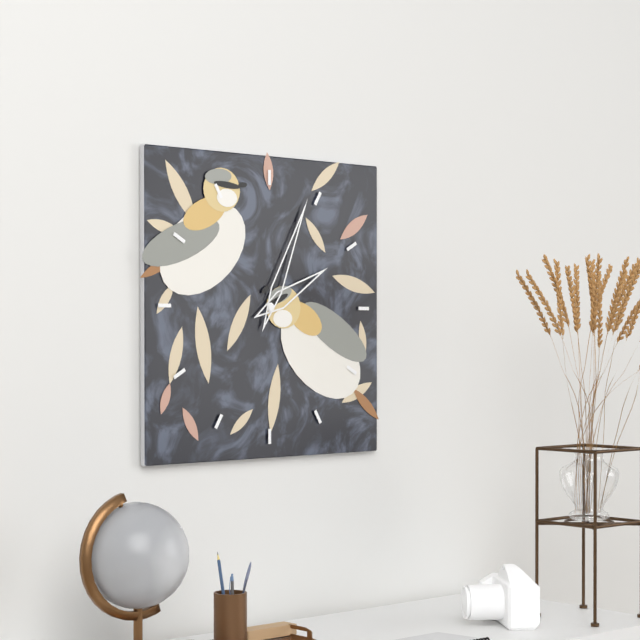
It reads {"hour": 2, "minute": 4}
